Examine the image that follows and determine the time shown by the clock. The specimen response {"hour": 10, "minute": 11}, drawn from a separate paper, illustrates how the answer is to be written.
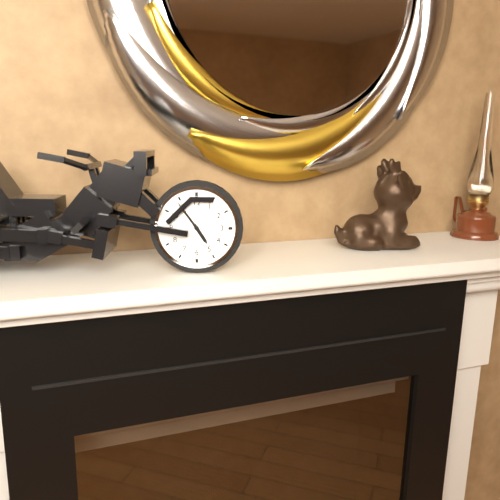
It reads {"hour": 4, "minute": 54}
